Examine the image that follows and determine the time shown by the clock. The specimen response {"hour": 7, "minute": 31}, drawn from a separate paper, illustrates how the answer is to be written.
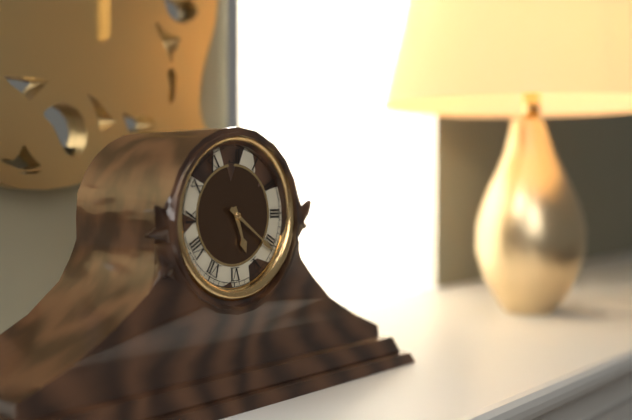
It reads {"hour": 5, "minute": 21}
